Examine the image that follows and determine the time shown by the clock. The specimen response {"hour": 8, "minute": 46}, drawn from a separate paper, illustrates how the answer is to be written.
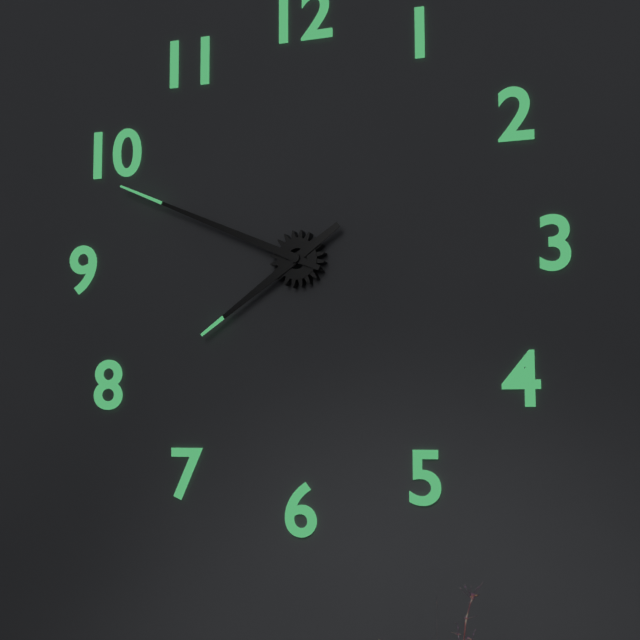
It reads {"hour": 7, "minute": 49}
